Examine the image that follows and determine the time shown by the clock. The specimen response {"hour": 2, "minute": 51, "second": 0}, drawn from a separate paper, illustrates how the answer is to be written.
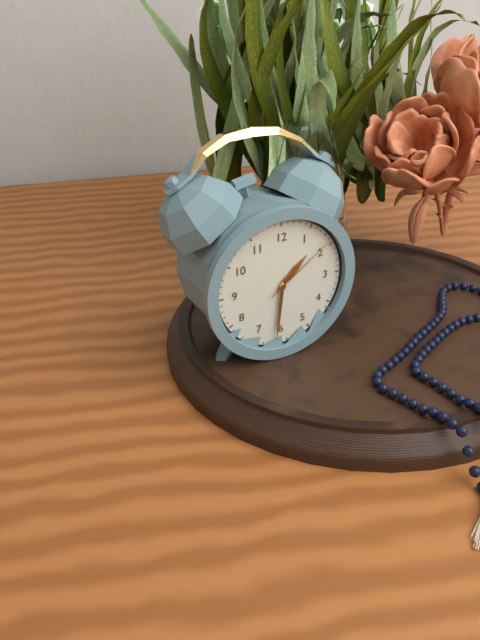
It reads {"hour": 1, "minute": 31, "second": 9}
